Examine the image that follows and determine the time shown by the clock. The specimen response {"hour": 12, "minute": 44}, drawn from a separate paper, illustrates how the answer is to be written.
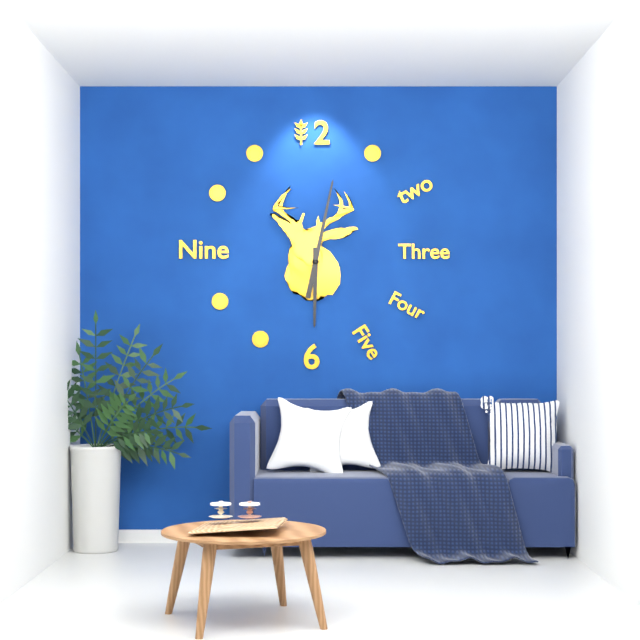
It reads {"hour": 6, "minute": 2}
